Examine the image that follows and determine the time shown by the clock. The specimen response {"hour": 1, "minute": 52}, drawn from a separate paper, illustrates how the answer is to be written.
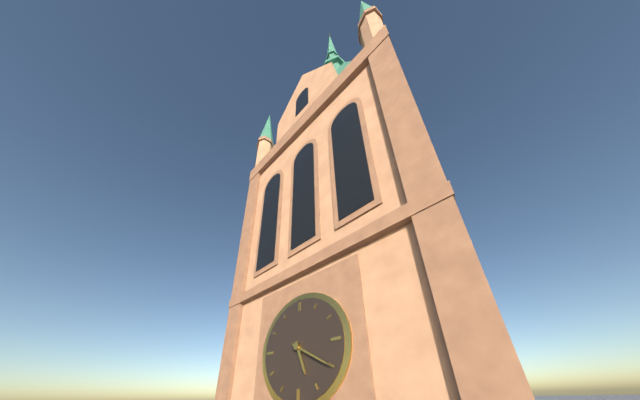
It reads {"hour": 5, "minute": 20}
